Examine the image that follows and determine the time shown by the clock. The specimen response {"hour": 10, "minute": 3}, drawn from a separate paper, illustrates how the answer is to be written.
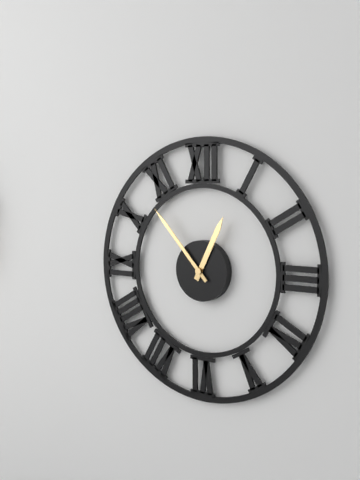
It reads {"hour": 12, "minute": 53}
